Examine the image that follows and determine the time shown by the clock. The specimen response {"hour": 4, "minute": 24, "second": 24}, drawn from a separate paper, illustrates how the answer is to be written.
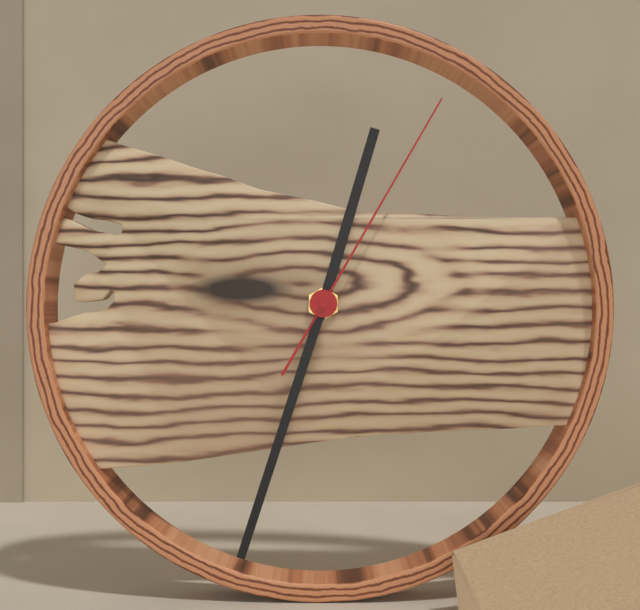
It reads {"hour": 12, "minute": 33, "second": 5}
